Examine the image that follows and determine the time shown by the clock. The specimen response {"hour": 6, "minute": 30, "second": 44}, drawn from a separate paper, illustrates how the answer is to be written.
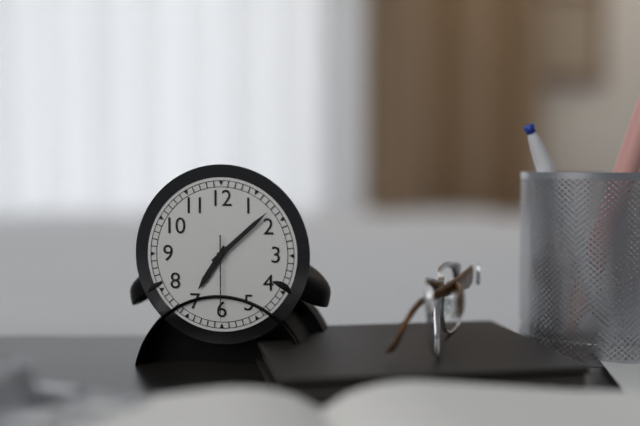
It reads {"hour": 7, "minute": 8, "second": 30}
